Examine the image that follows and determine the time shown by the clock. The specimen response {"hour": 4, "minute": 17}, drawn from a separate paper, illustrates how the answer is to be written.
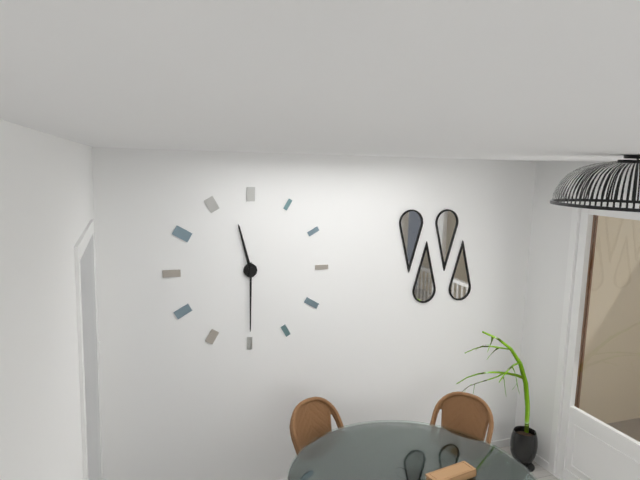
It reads {"hour": 11, "minute": 30}
